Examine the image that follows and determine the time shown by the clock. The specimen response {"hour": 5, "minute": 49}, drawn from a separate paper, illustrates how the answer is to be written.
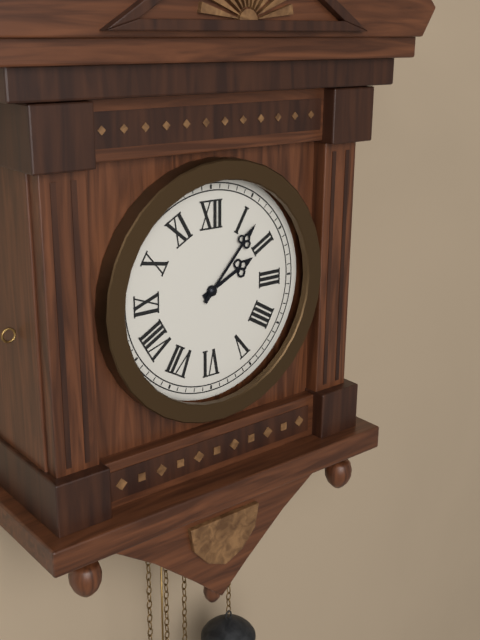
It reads {"hour": 2, "minute": 7}
